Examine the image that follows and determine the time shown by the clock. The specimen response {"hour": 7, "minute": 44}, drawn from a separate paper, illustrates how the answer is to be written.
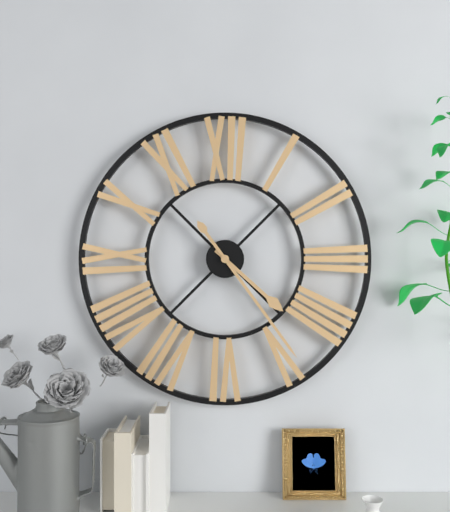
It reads {"hour": 4, "minute": 24}
